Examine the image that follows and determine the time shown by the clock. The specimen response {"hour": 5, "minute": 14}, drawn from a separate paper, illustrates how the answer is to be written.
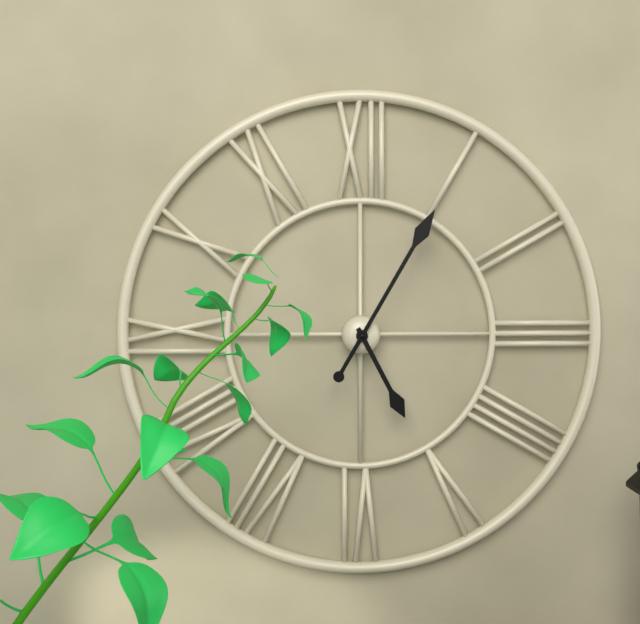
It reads {"hour": 5, "minute": 5}
